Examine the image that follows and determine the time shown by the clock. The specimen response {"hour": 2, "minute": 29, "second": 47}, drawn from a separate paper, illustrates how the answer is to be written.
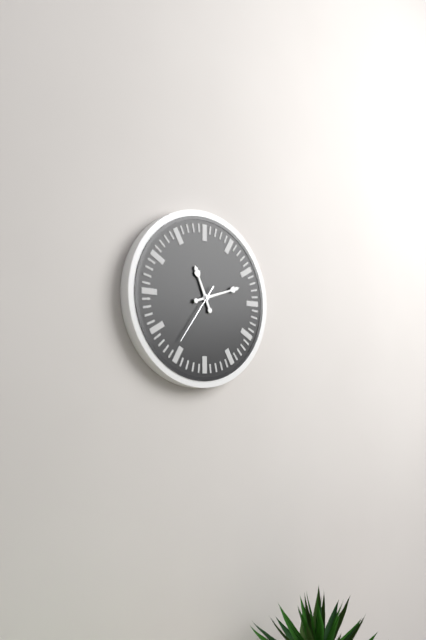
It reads {"hour": 11, "minute": 12, "second": 36}
